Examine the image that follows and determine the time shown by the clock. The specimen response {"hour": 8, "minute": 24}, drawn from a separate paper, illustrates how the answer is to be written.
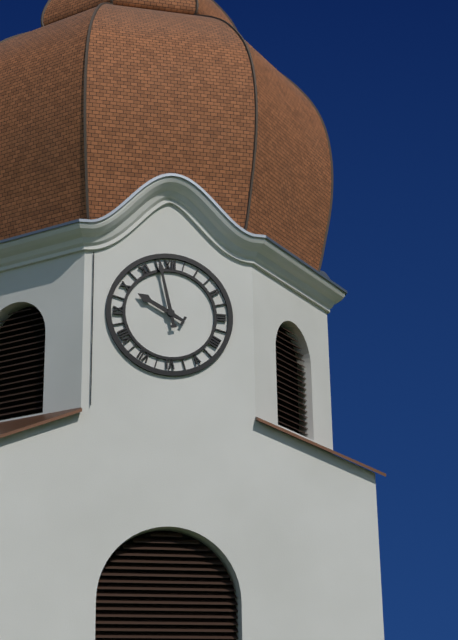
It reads {"hour": 9, "minute": 58}
